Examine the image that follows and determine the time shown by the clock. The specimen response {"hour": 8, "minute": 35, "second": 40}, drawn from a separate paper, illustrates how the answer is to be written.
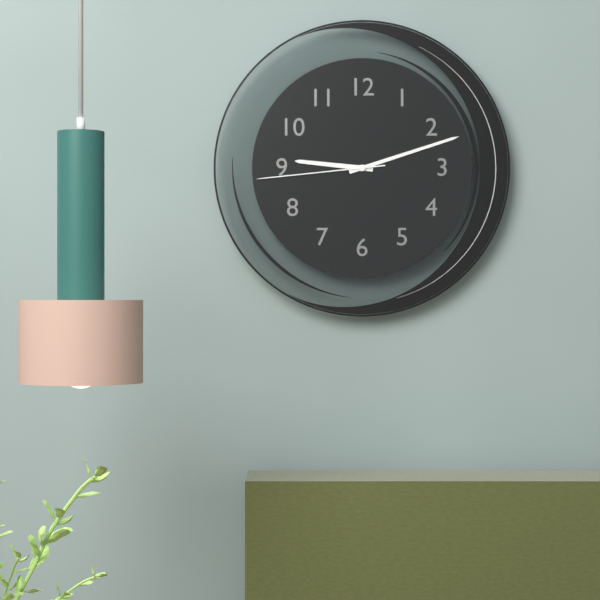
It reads {"hour": 9, "minute": 12, "second": 44}
